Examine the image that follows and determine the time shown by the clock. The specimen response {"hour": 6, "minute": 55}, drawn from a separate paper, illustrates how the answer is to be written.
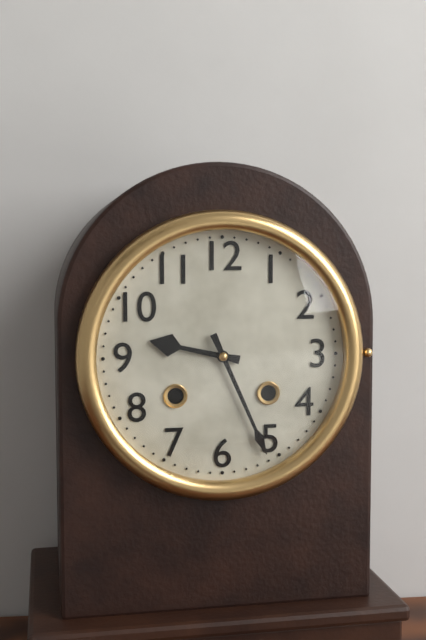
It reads {"hour": 9, "minute": 26}
